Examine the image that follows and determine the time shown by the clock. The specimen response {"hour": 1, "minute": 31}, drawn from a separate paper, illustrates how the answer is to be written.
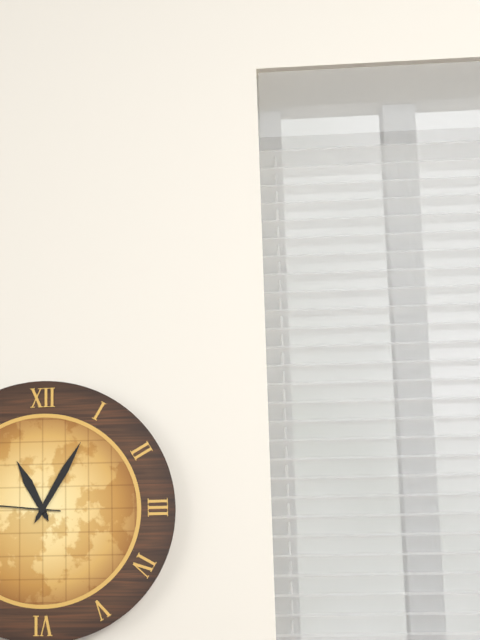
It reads {"hour": 11, "minute": 5}
